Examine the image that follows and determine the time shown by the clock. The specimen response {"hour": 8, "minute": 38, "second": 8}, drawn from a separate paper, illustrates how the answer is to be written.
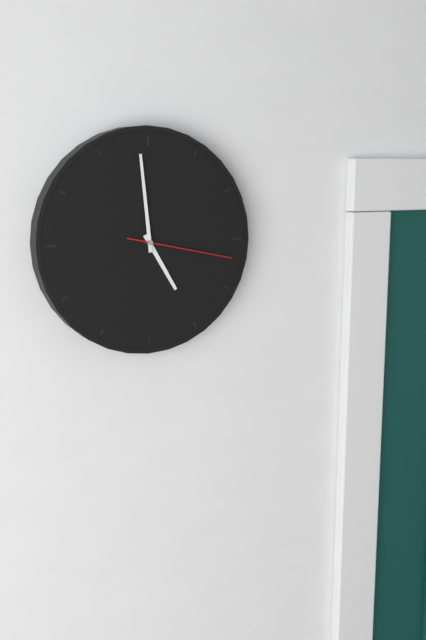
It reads {"hour": 4, "minute": 59, "second": 17}
